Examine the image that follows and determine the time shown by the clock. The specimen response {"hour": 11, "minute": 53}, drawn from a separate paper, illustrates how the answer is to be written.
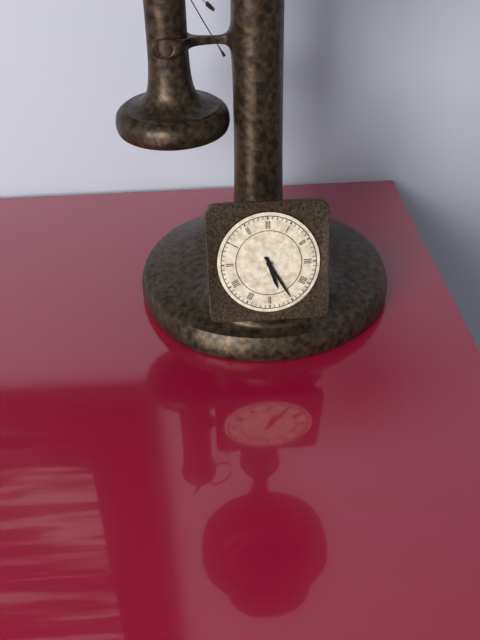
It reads {"hour": 5, "minute": 25}
